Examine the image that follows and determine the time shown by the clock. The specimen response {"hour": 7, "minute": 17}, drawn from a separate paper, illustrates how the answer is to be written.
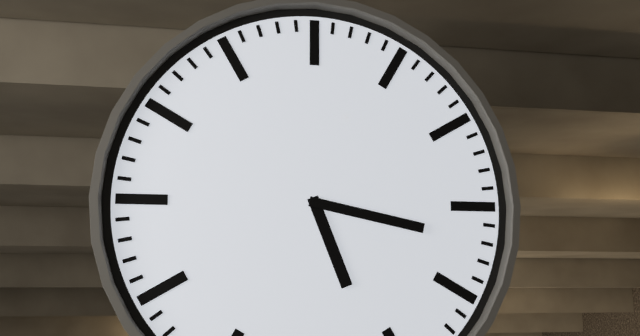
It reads {"hour": 5, "minute": 17}
